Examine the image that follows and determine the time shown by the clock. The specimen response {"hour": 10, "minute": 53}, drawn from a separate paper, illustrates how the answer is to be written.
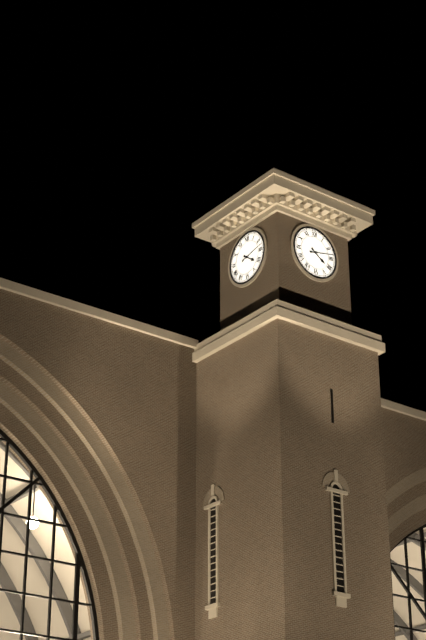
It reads {"hour": 4, "minute": 13}
